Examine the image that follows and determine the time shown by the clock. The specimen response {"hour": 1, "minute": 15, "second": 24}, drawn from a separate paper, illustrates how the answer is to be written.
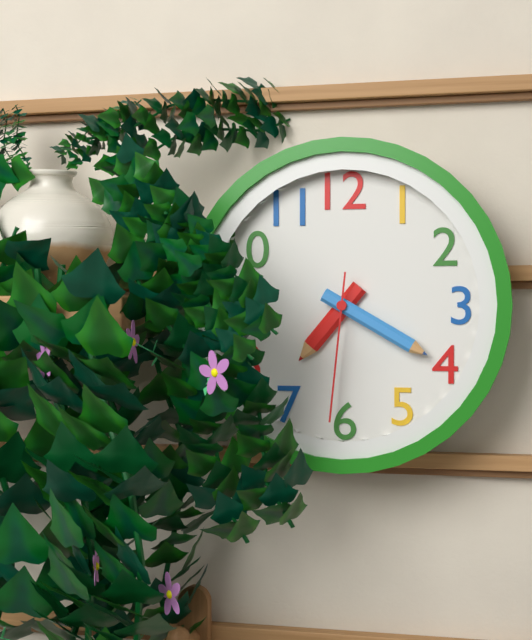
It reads {"hour": 7, "minute": 20, "second": 31}
